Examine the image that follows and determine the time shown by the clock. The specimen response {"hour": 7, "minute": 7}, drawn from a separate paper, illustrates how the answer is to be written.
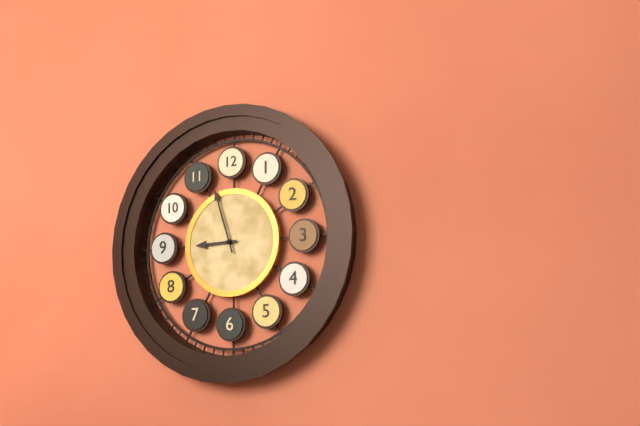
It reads {"hour": 8, "minute": 57}
